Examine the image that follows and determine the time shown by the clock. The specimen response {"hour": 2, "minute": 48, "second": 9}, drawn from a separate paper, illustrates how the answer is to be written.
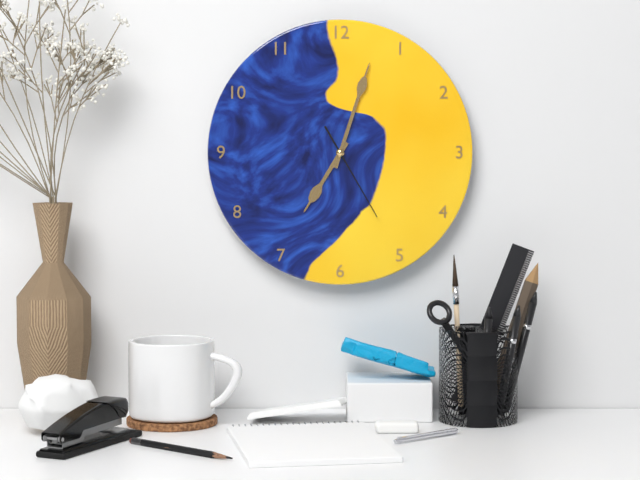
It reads {"hour": 7, "minute": 3, "second": 25}
